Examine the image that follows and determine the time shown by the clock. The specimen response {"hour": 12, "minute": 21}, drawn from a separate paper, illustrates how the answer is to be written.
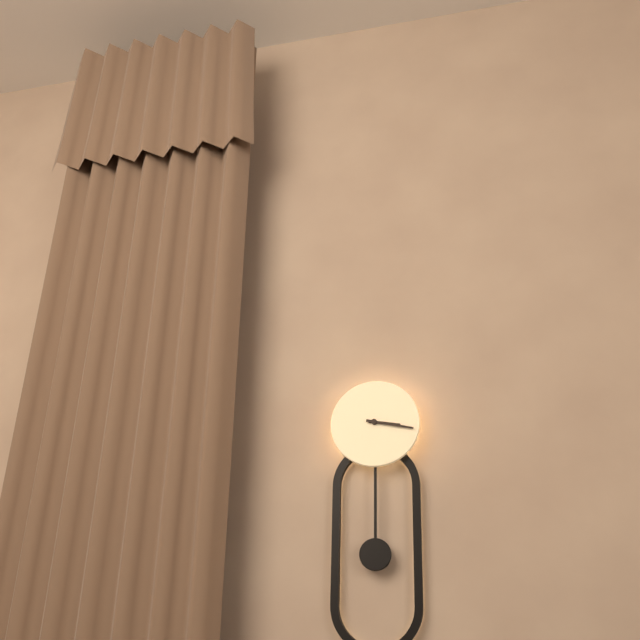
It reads {"hour": 3, "minute": 17}
